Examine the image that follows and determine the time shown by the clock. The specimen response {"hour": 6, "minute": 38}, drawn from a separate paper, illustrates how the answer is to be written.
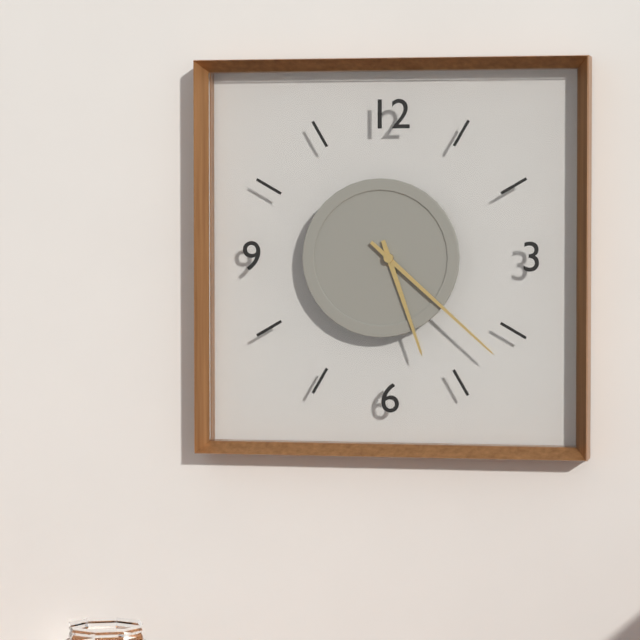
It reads {"hour": 5, "minute": 22}
